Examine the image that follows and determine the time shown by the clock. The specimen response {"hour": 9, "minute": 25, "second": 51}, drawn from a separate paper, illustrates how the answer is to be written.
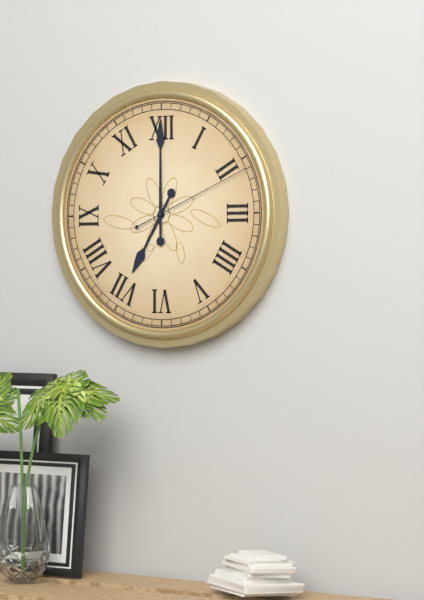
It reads {"hour": 7, "minute": 0, "second": 11}
